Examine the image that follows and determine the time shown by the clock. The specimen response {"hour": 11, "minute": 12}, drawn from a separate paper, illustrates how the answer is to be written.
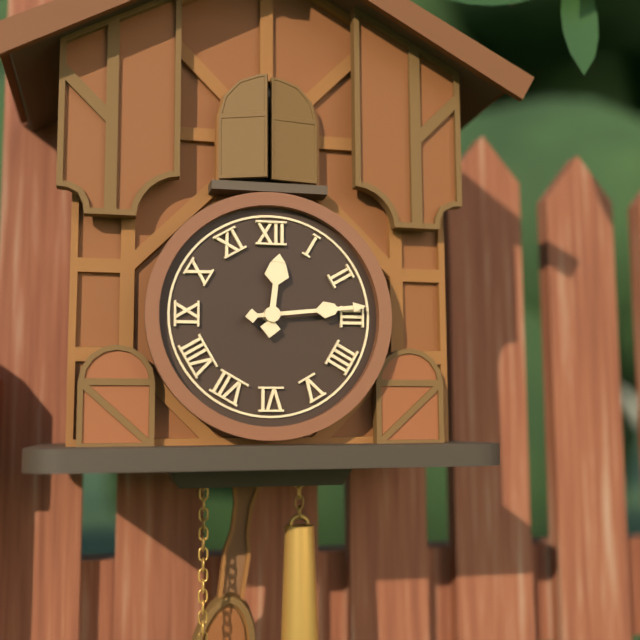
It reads {"hour": 12, "minute": 14}
